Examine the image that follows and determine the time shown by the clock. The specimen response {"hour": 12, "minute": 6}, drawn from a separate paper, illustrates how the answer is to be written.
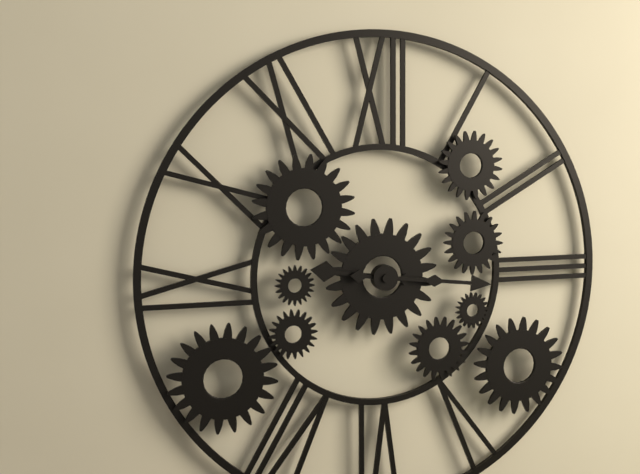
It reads {"hour": 9, "minute": 16}
